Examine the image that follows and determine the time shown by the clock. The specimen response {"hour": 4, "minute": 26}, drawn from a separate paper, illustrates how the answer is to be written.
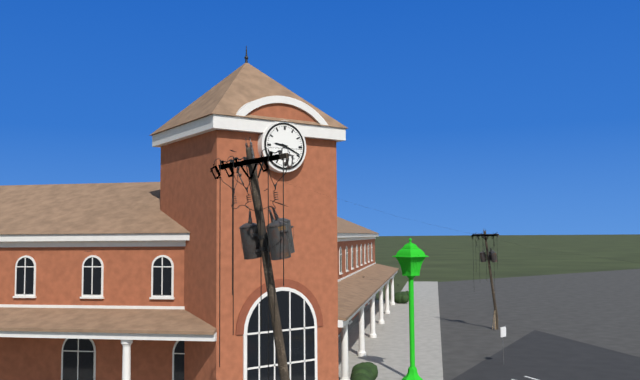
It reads {"hour": 9, "minute": 19}
